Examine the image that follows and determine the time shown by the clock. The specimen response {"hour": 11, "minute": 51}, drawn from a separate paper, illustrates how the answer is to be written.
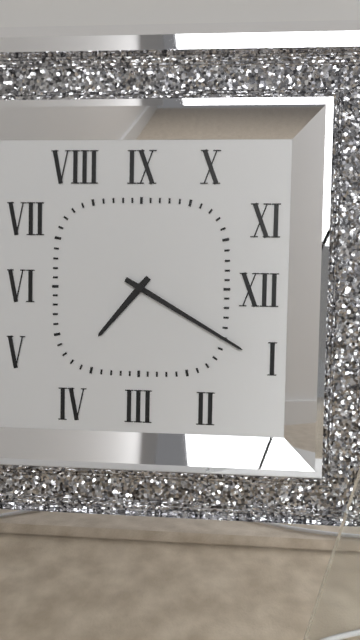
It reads {"hour": 7, "minute": 20}
